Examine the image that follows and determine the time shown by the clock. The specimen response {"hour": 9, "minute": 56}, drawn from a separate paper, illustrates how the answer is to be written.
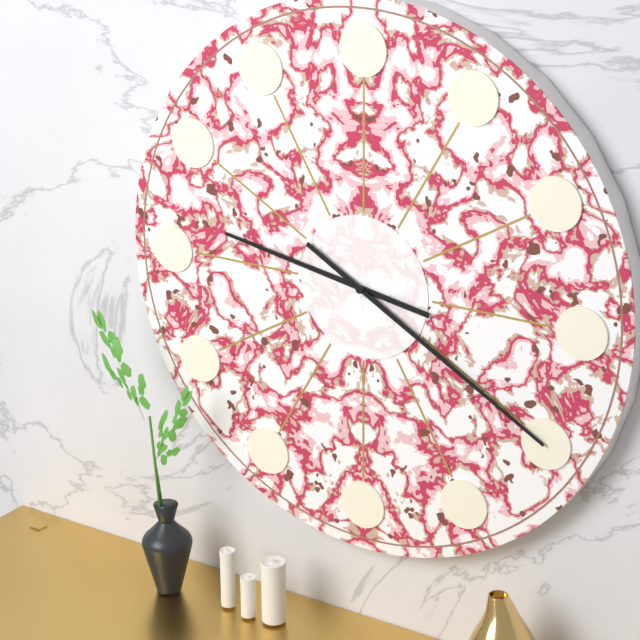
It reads {"hour": 9, "minute": 20}
